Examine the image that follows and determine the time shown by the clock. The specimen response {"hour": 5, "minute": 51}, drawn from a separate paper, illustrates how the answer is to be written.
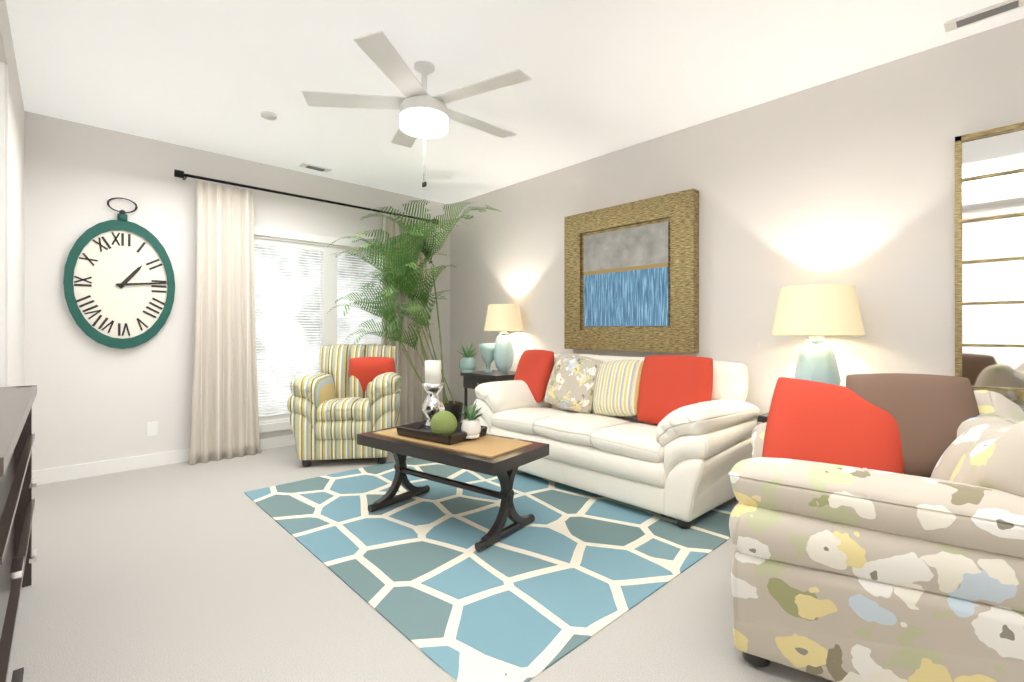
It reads {"hour": 1, "minute": 14}
